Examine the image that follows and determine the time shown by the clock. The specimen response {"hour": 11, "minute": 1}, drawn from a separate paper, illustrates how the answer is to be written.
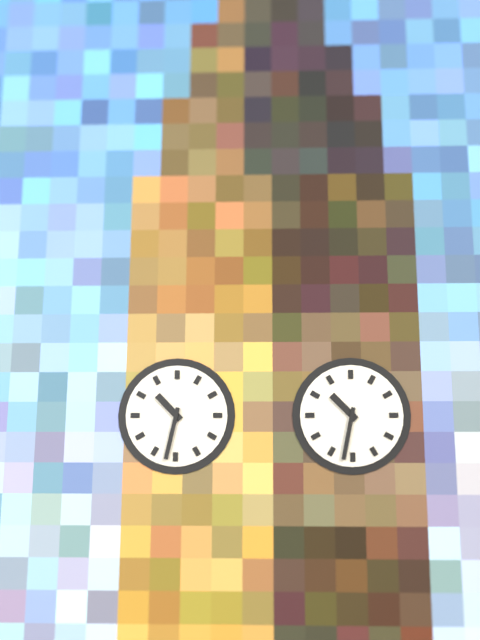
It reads {"hour": 10, "minute": 32}
